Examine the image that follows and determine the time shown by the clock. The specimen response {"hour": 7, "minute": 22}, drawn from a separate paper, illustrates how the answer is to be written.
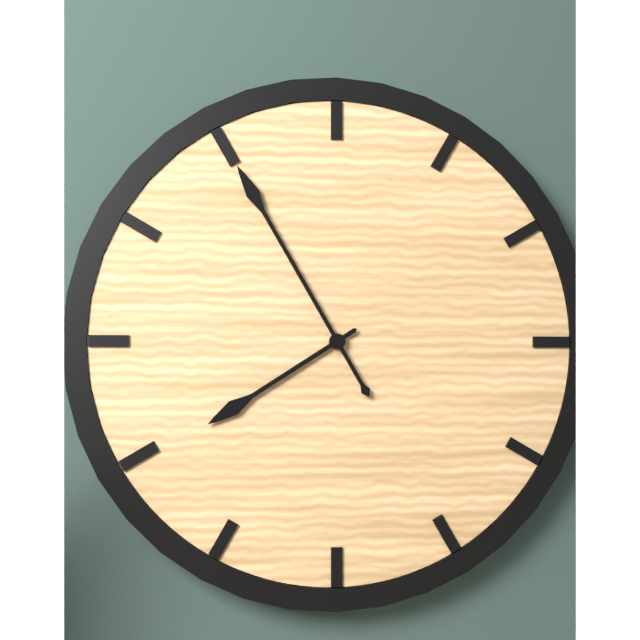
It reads {"hour": 7, "minute": 55}
